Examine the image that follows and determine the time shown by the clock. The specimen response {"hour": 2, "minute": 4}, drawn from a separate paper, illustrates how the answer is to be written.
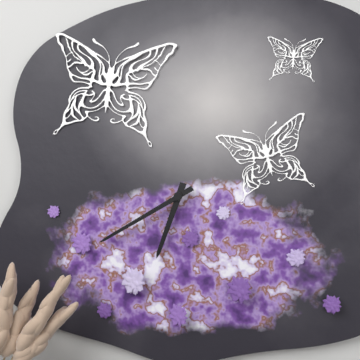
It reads {"hour": 6, "minute": 40}
